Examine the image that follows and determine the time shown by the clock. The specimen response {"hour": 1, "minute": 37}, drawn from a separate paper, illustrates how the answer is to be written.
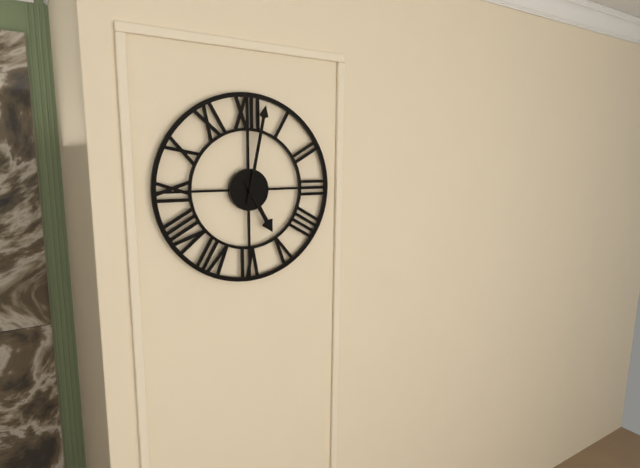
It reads {"hour": 5, "minute": 2}
